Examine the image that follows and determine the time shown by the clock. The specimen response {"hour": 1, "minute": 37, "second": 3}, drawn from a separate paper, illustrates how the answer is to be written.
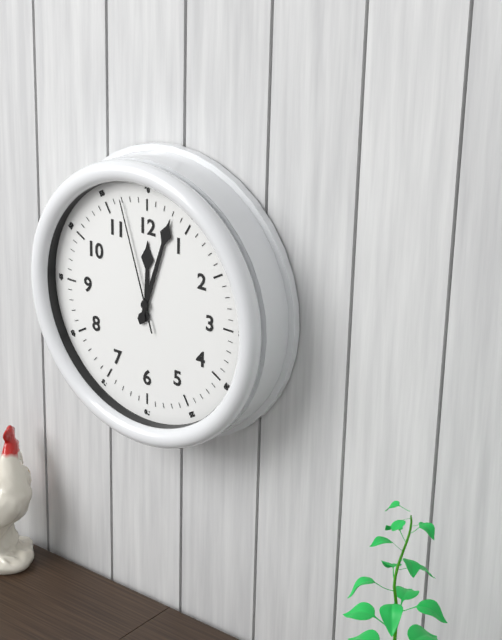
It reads {"hour": 12, "minute": 3, "second": 57}
